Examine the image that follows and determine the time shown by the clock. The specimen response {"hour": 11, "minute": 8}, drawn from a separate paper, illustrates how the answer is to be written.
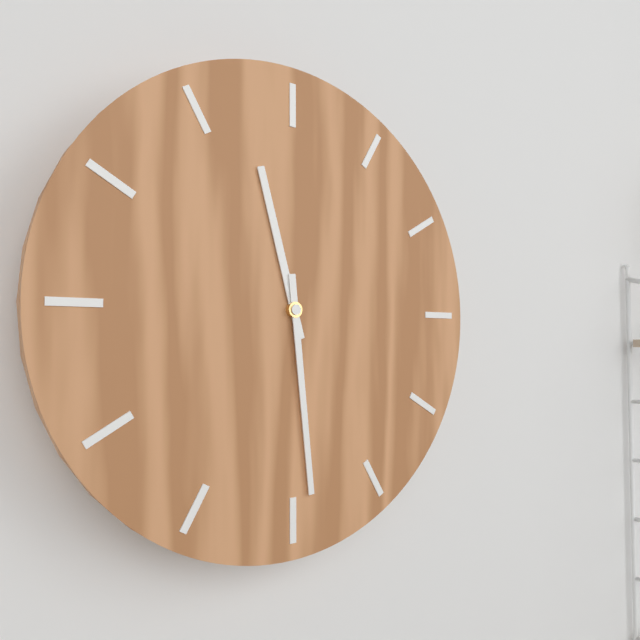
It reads {"hour": 11, "minute": 29}
